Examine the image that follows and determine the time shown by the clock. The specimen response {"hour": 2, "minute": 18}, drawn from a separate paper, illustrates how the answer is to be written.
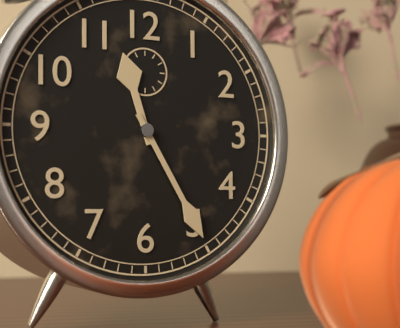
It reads {"hour": 11, "minute": 25}
